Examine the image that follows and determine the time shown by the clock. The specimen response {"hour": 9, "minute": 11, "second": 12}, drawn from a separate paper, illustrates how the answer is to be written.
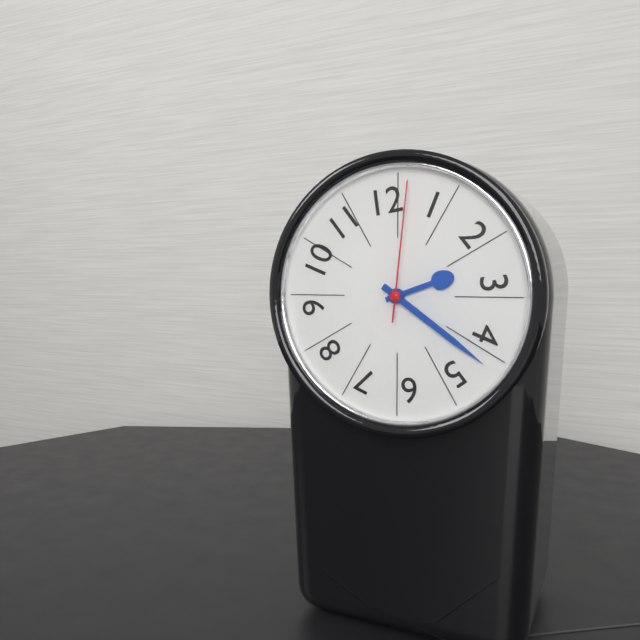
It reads {"hour": 2, "minute": 21, "second": 1}
